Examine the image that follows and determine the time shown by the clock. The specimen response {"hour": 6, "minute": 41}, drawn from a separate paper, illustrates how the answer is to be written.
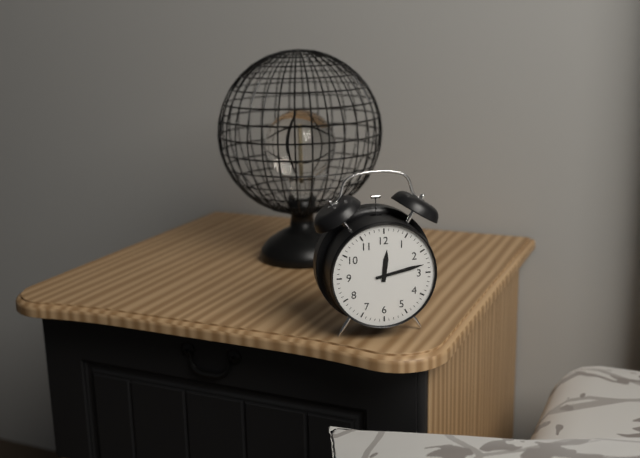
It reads {"hour": 12, "minute": 13}
